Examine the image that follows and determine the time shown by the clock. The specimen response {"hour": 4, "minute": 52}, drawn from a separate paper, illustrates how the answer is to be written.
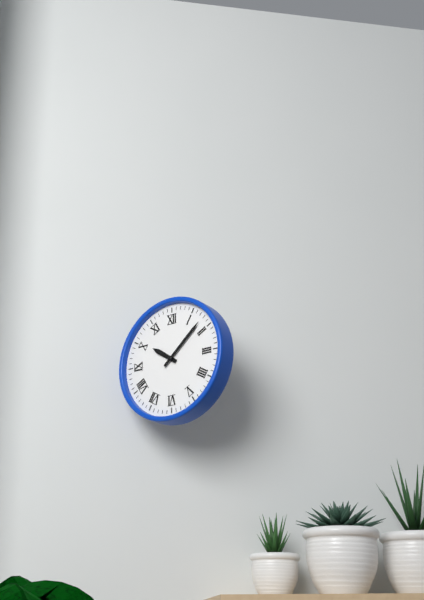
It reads {"hour": 10, "minute": 8}
